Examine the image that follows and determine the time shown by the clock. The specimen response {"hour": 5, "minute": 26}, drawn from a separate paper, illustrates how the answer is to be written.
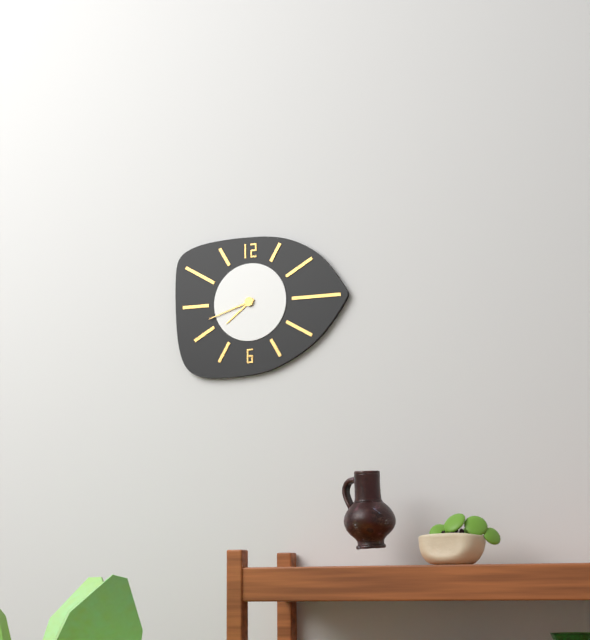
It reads {"hour": 7, "minute": 42}
